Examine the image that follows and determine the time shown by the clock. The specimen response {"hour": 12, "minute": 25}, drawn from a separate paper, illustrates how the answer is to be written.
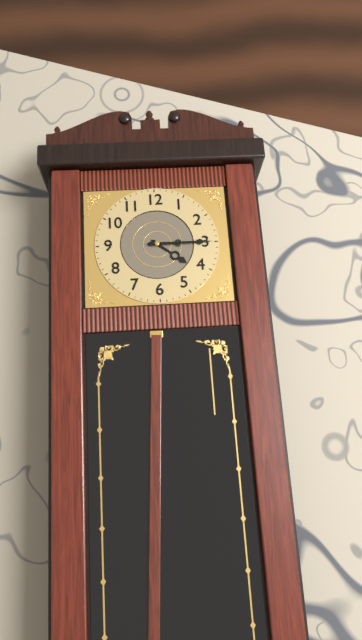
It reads {"hour": 4, "minute": 15}
